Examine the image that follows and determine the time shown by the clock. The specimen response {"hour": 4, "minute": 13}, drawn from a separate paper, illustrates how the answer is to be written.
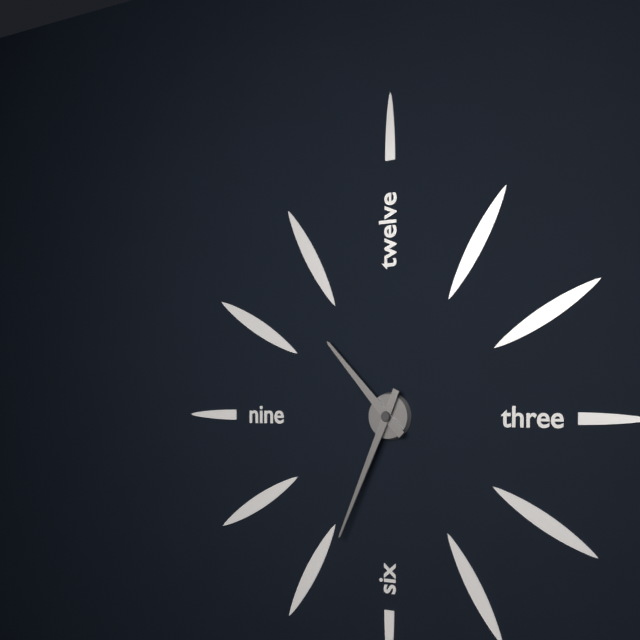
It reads {"hour": 10, "minute": 34}
